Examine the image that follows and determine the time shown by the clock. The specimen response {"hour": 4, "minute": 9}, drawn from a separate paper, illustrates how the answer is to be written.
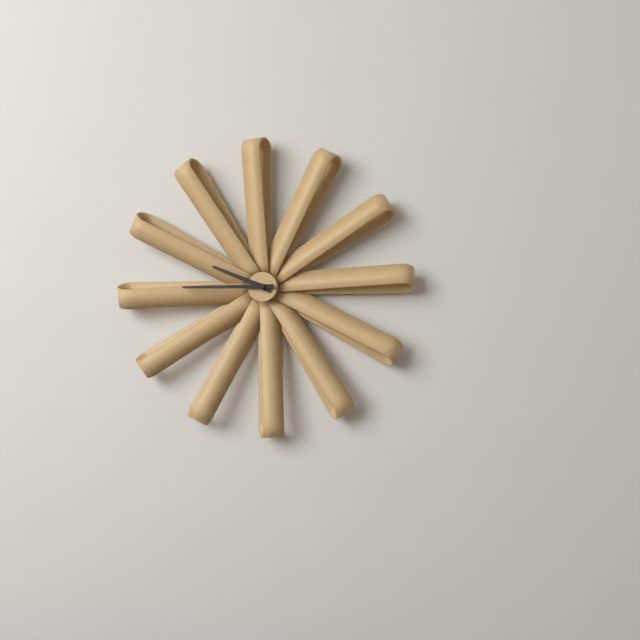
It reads {"hour": 9, "minute": 45}
